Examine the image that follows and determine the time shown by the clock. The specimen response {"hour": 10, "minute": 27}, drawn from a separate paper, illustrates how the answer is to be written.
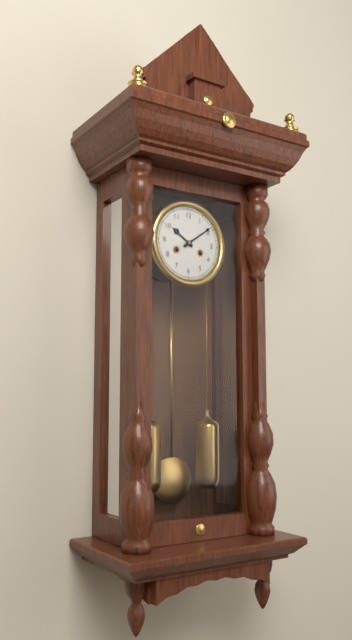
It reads {"hour": 10, "minute": 9}
